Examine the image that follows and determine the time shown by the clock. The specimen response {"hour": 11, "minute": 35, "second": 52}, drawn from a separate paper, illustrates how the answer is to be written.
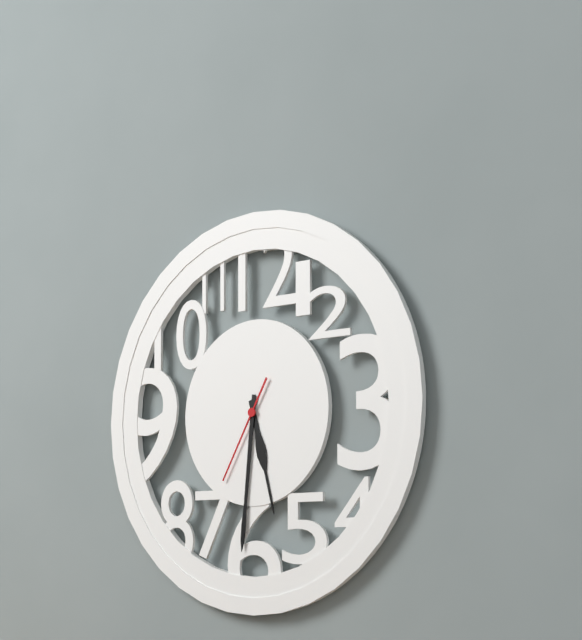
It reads {"hour": 5, "minute": 31, "second": 35}
